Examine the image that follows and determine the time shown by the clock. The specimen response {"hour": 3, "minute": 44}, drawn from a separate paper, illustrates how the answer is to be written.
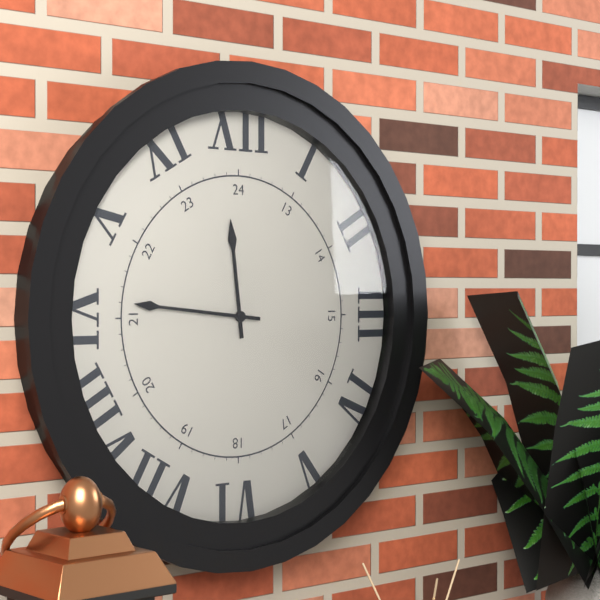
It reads {"hour": 11, "minute": 46}
